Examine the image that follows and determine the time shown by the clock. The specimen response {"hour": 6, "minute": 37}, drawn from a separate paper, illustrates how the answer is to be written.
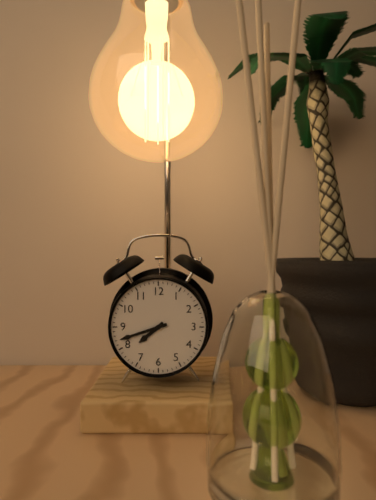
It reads {"hour": 7, "minute": 42}
